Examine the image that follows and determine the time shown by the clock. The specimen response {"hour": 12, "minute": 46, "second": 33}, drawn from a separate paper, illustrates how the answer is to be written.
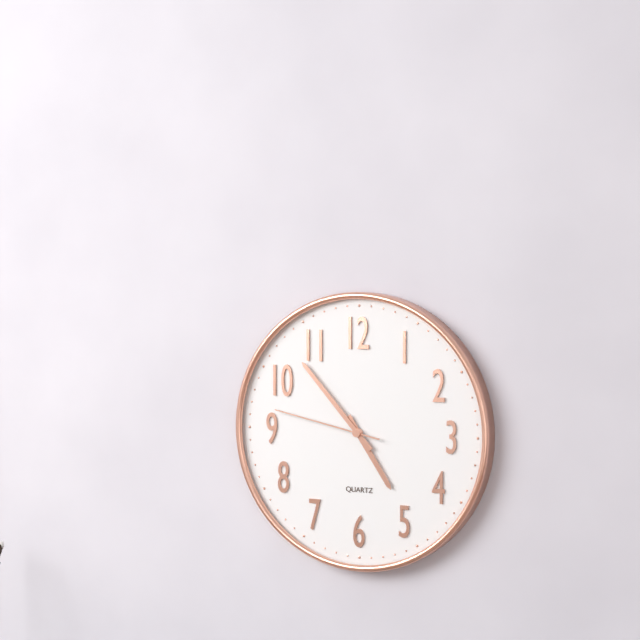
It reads {"hour": 4, "minute": 53, "second": 47}
